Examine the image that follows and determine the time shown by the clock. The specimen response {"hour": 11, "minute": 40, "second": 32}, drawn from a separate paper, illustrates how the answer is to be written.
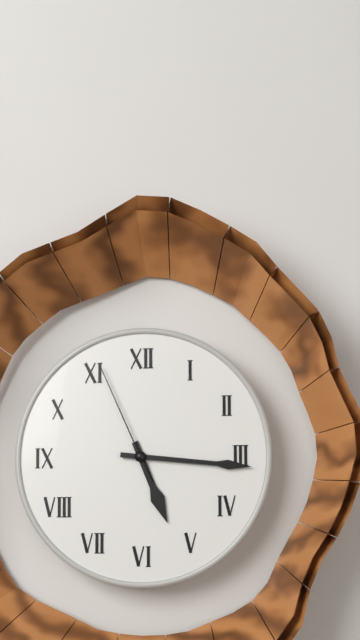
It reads {"hour": 5, "minute": 16, "second": 56}
